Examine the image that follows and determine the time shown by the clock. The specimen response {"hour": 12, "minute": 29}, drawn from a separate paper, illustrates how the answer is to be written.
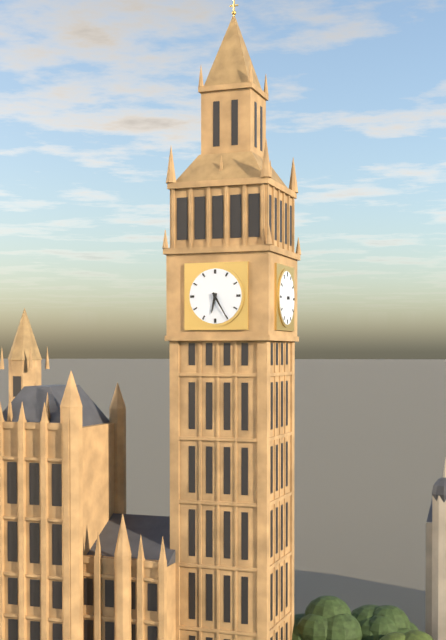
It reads {"hour": 6, "minute": 25}
